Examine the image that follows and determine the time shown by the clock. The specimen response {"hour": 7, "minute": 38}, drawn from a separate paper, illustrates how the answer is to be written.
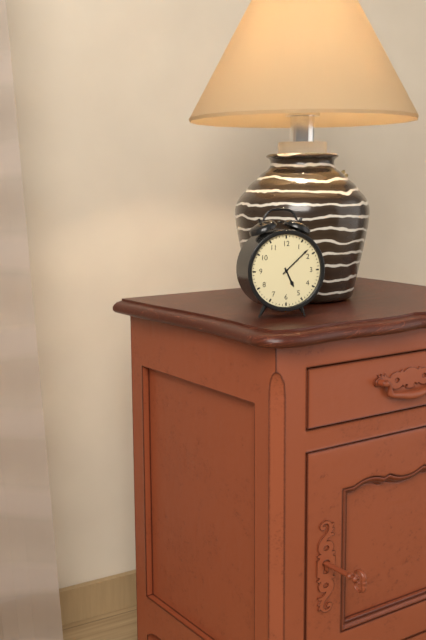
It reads {"hour": 5, "minute": 8}
